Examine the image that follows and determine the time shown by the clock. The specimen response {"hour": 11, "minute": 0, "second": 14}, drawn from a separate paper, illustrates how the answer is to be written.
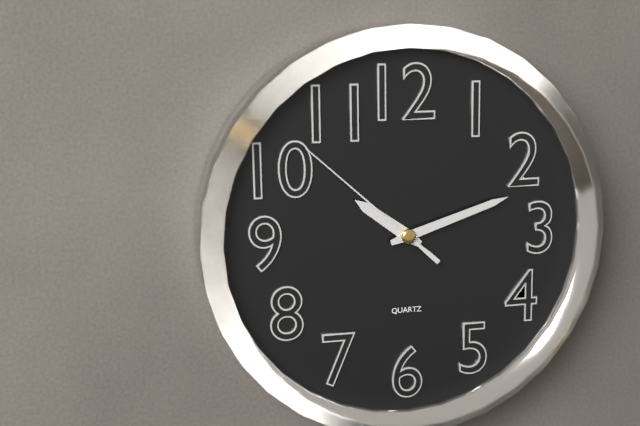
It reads {"hour": 10, "minute": 12, "second": 52}
